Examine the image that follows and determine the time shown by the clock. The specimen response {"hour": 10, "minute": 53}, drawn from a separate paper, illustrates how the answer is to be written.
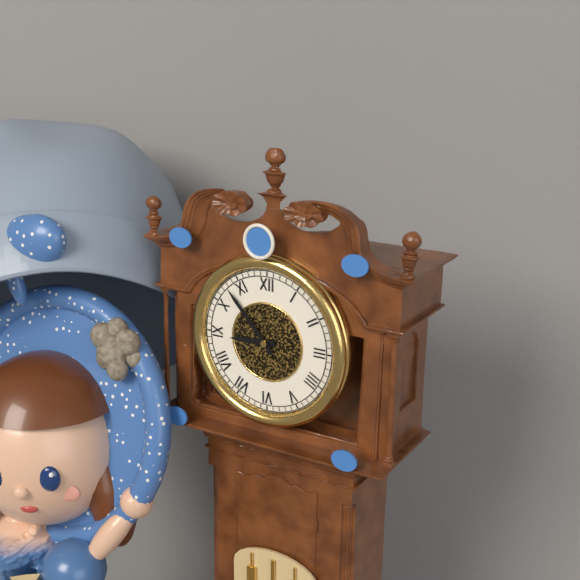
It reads {"hour": 8, "minute": 53}
